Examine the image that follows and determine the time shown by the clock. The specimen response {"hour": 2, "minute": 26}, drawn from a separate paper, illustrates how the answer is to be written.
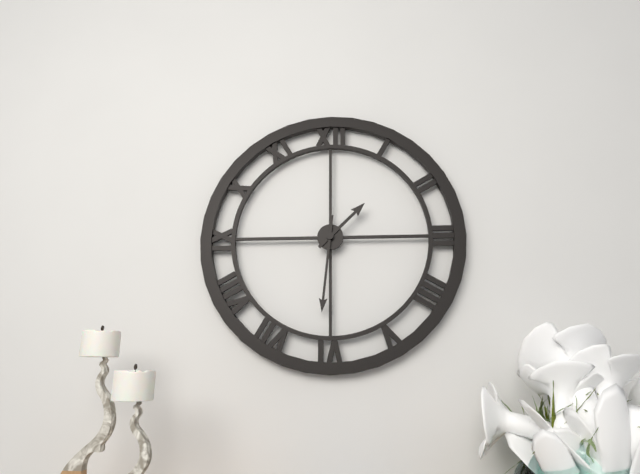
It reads {"hour": 1, "minute": 31}
